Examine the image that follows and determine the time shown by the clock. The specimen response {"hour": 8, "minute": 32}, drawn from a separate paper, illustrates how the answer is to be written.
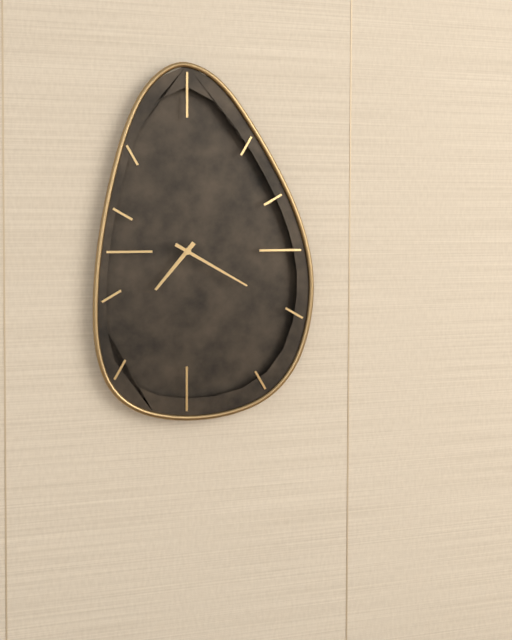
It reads {"hour": 7, "minute": 20}
